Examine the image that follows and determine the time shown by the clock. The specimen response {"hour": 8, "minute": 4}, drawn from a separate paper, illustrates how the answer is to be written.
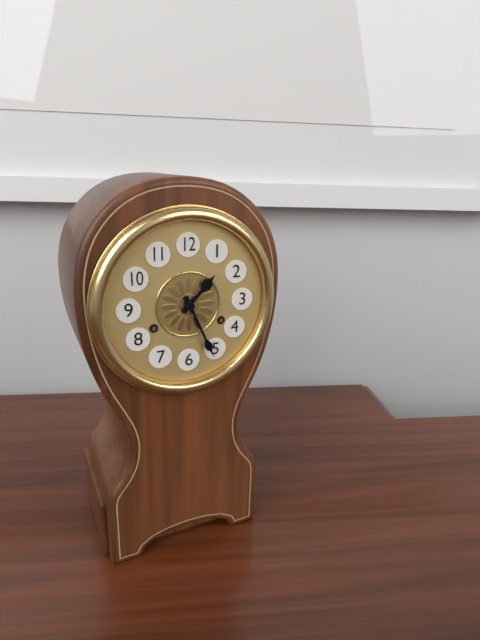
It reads {"hour": 1, "minute": 26}
